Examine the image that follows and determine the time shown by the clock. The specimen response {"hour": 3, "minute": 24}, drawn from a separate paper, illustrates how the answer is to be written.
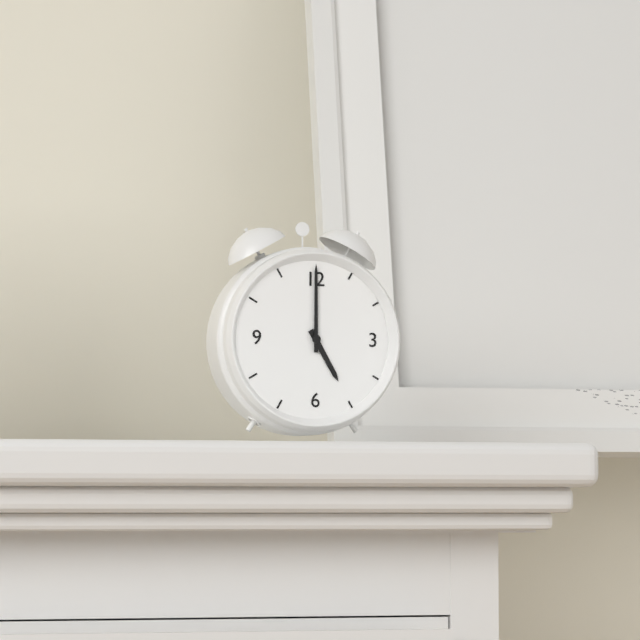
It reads {"hour": 5, "minute": 0}
